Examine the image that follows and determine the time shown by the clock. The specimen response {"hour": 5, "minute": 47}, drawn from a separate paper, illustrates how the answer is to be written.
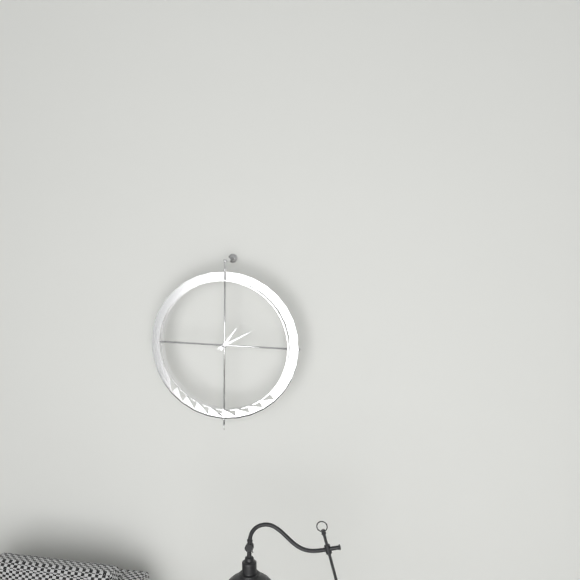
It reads {"hour": 1, "minute": 10}
